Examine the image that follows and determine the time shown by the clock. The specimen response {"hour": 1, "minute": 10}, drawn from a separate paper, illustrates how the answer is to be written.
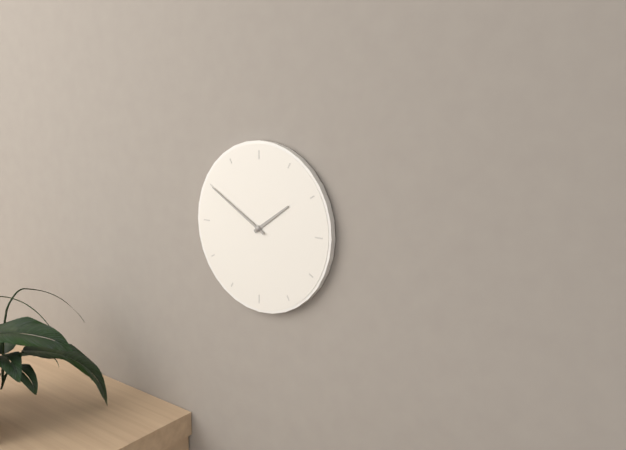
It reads {"hour": 1, "minute": 50}
